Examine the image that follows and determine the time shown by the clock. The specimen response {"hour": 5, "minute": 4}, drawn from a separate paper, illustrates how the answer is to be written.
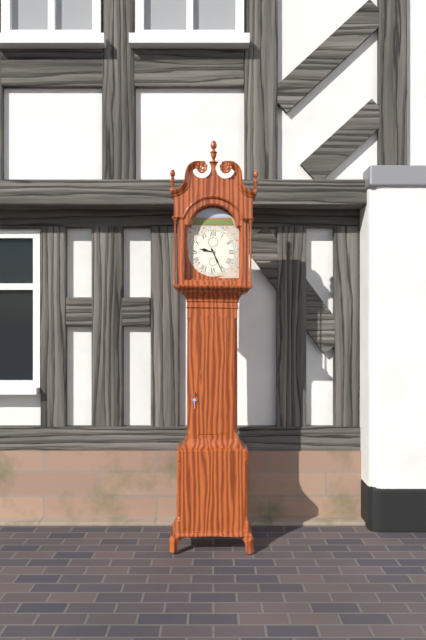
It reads {"hour": 9, "minute": 26}
